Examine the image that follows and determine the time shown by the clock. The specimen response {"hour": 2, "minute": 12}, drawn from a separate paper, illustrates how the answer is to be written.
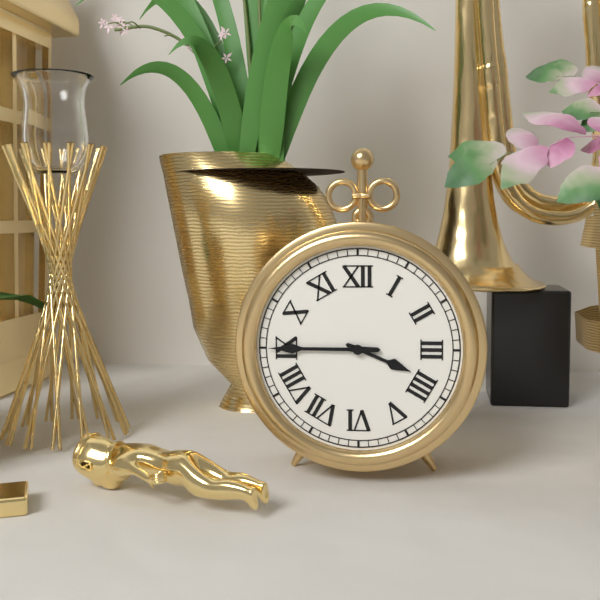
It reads {"hour": 3, "minute": 45}
